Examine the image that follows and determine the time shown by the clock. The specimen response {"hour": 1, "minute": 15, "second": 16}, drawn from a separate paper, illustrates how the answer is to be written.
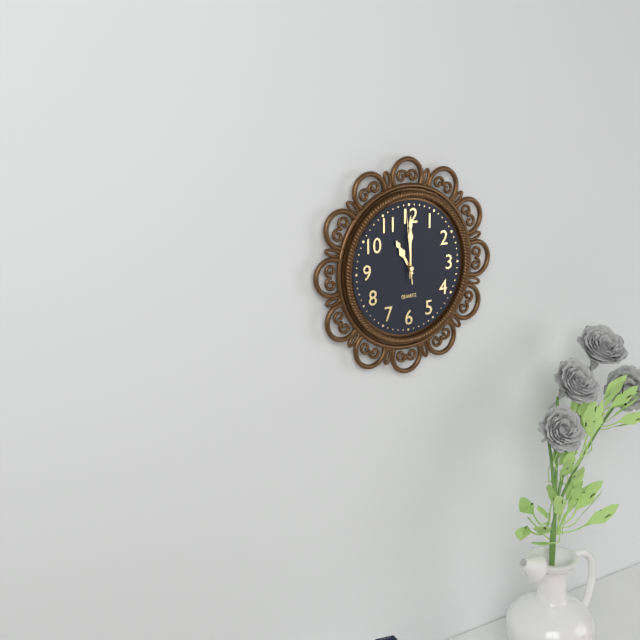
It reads {"hour": 11, "minute": 0, "second": 59}
